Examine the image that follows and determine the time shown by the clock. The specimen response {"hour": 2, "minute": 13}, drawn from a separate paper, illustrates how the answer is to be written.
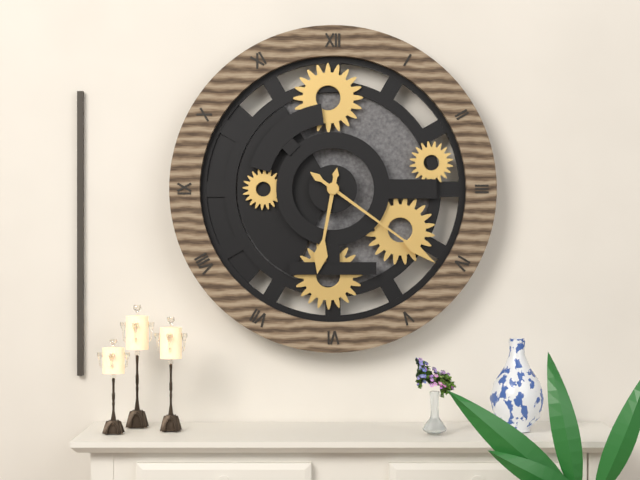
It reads {"hour": 6, "minute": 21}
